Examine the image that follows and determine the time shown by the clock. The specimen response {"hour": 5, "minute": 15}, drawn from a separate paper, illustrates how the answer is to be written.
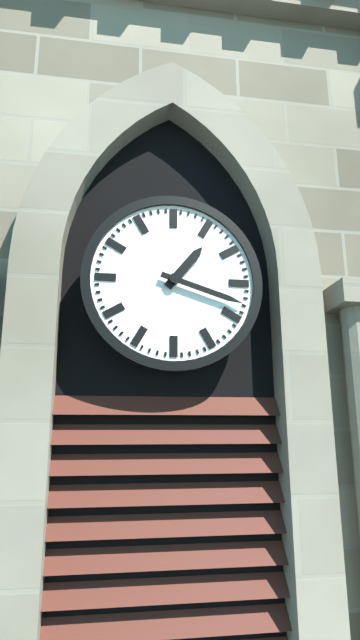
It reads {"hour": 1, "minute": 18}
